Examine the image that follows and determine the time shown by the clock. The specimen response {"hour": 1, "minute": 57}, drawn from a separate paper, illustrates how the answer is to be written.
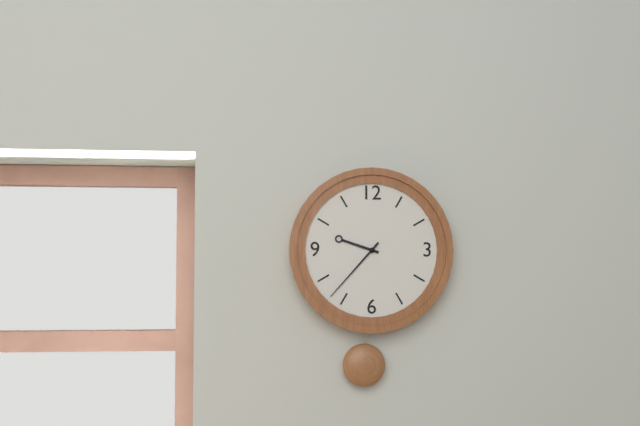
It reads {"hour": 9, "minute": 37}
